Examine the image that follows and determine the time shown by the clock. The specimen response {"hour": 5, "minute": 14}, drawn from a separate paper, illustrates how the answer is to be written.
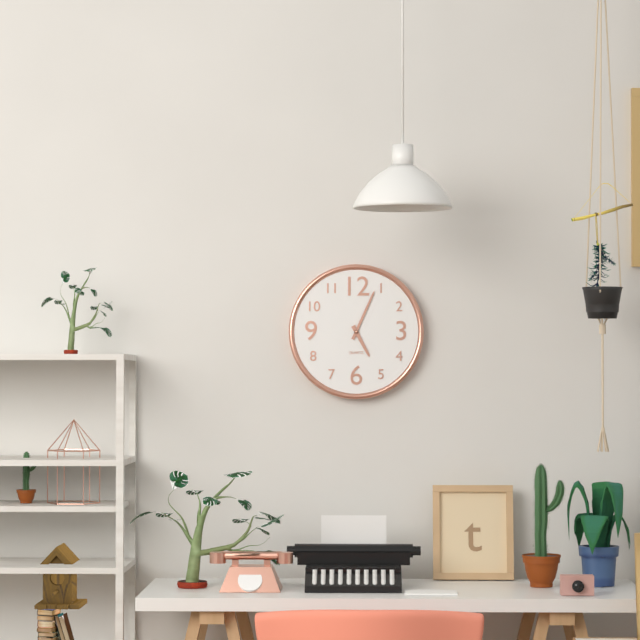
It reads {"hour": 5, "minute": 4}
